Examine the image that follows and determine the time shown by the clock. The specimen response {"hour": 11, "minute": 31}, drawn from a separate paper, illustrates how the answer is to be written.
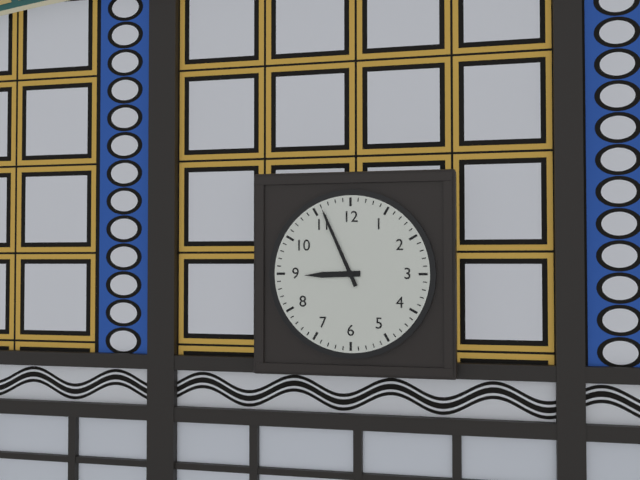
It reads {"hour": 8, "minute": 56}
